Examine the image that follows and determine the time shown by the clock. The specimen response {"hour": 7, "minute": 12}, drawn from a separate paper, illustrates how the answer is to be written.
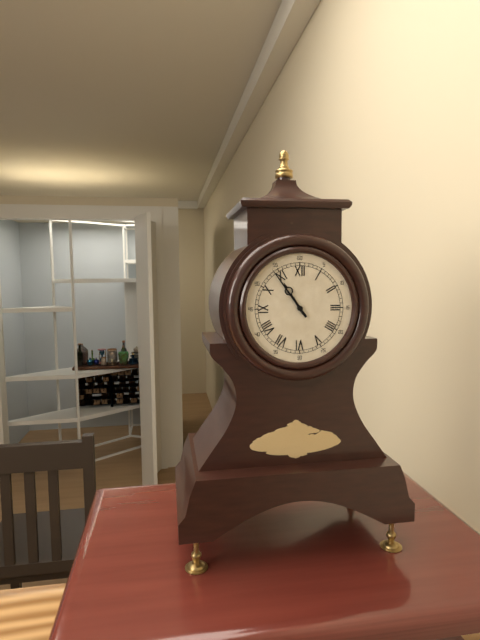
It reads {"hour": 10, "minute": 54}
